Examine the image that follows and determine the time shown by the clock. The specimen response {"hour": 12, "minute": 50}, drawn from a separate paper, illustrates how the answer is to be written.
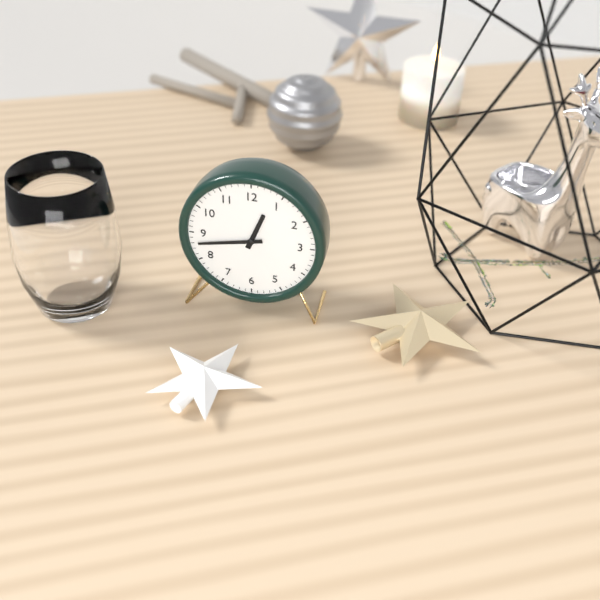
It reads {"hour": 12, "minute": 43}
